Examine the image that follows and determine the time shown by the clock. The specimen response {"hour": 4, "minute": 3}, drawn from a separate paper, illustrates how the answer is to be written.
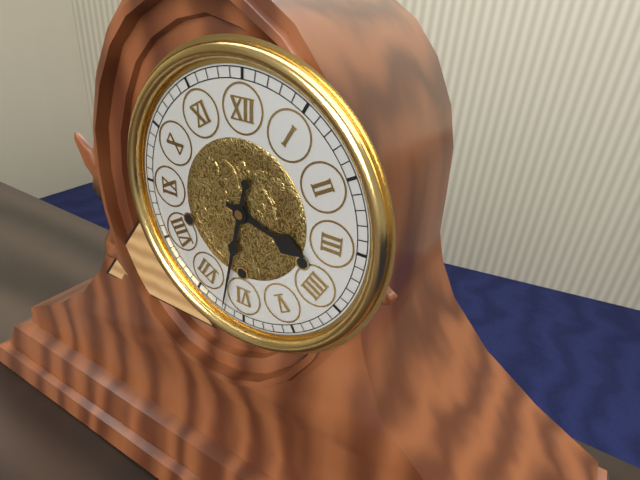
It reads {"hour": 3, "minute": 32}
